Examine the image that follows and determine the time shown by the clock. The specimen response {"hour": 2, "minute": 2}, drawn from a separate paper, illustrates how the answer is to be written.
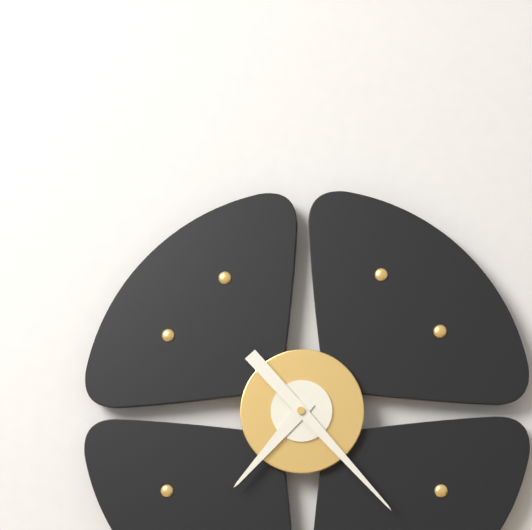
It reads {"hour": 7, "minute": 23}
